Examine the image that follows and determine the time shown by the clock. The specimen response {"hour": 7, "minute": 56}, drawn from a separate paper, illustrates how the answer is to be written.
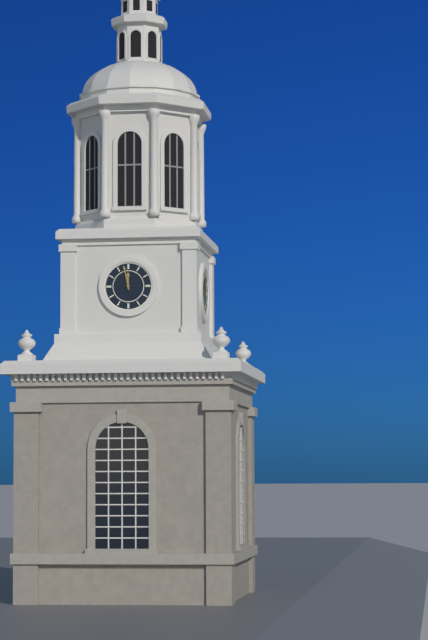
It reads {"hour": 11, "minute": 58}
